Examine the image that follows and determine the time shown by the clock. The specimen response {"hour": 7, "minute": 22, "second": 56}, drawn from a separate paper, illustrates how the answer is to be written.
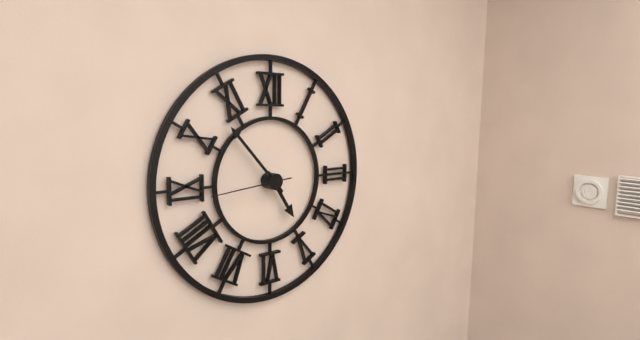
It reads {"hour": 4, "minute": 53, "second": 44}
